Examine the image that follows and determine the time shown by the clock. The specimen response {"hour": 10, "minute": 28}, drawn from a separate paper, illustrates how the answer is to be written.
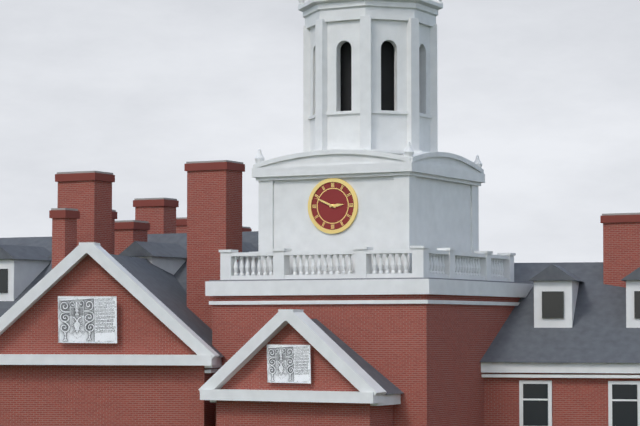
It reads {"hour": 2, "minute": 49}
